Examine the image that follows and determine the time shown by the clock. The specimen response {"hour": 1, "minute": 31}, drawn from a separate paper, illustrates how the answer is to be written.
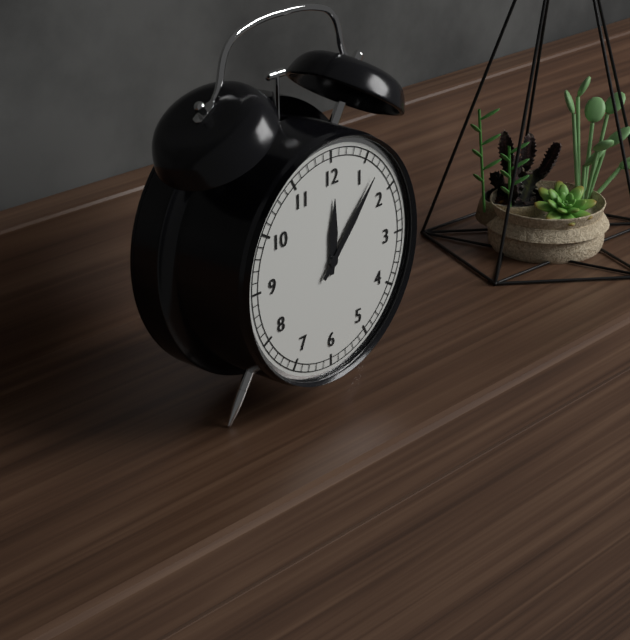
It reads {"hour": 12, "minute": 7}
